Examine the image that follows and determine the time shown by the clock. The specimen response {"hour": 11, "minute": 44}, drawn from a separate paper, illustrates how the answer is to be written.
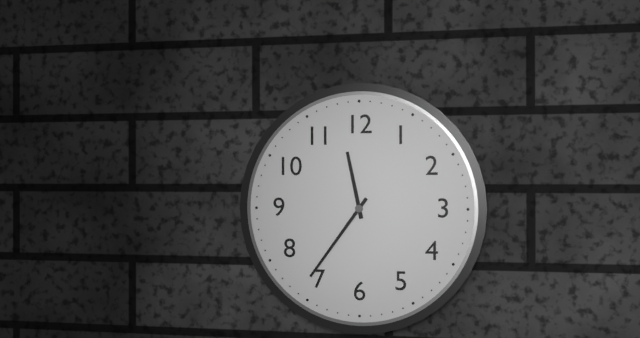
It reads {"hour": 11, "minute": 36}
